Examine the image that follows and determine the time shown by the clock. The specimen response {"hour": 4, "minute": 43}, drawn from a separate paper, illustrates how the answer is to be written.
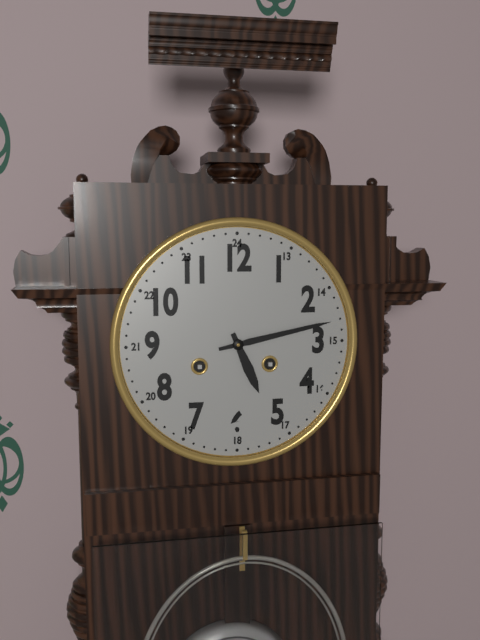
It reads {"hour": 5, "minute": 13}
